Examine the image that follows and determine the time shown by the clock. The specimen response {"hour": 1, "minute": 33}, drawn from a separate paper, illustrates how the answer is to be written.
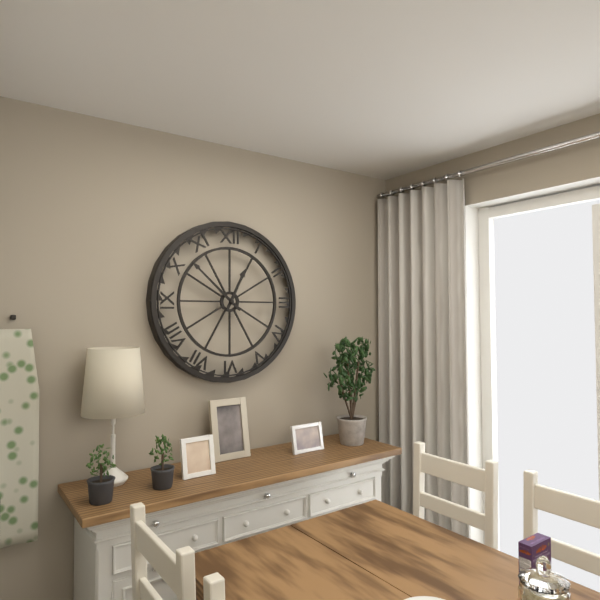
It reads {"hour": 12, "minute": 52}
